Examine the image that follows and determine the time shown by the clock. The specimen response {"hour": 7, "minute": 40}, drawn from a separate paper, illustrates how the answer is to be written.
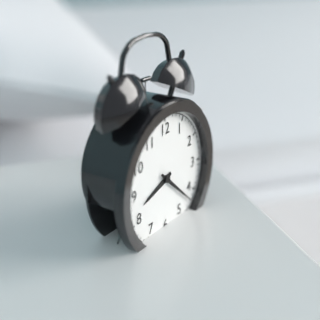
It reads {"hour": 8, "minute": 22}
